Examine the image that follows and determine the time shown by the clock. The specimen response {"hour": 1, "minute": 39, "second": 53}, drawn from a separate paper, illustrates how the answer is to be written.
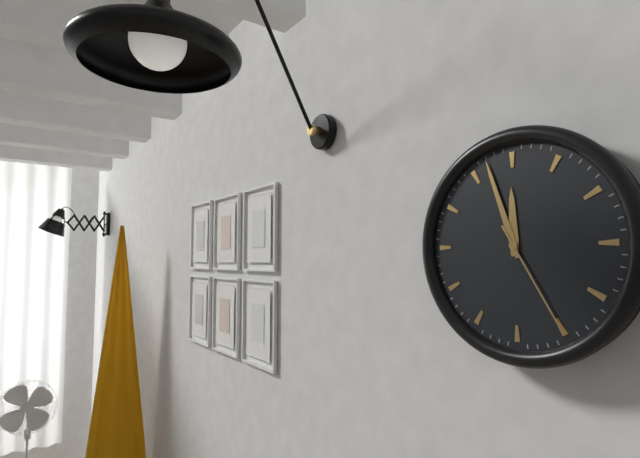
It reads {"hour": 11, "minute": 57, "second": 25}
